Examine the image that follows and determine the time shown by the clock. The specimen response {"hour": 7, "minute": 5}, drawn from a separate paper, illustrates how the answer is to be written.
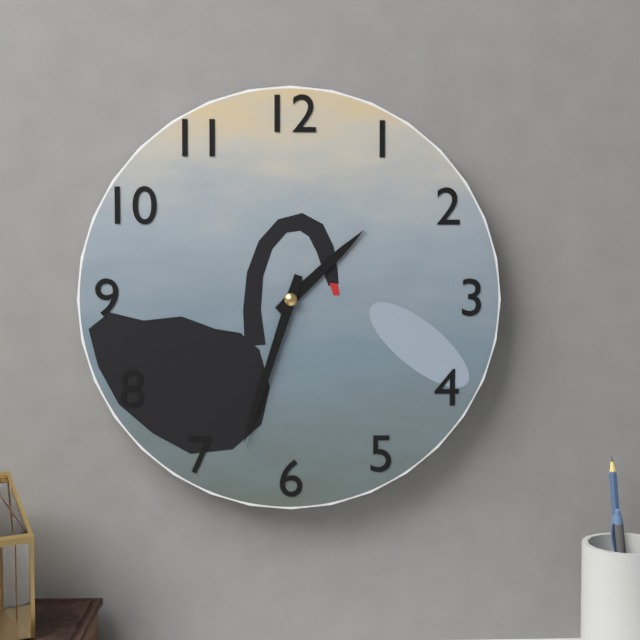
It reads {"hour": 1, "minute": 33}
